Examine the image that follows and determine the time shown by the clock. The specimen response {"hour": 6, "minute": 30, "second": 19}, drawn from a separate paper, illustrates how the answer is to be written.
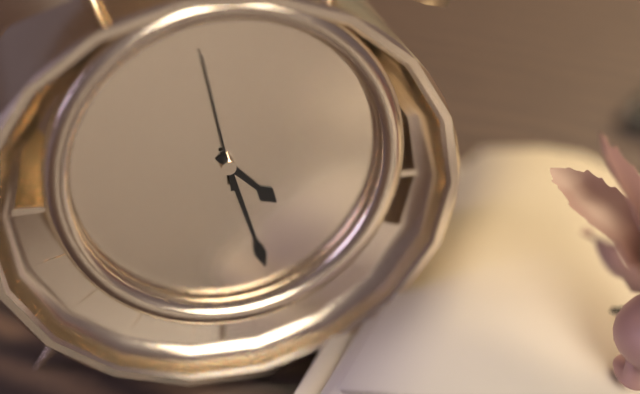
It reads {"hour": 4, "minute": 27, "second": 58}
